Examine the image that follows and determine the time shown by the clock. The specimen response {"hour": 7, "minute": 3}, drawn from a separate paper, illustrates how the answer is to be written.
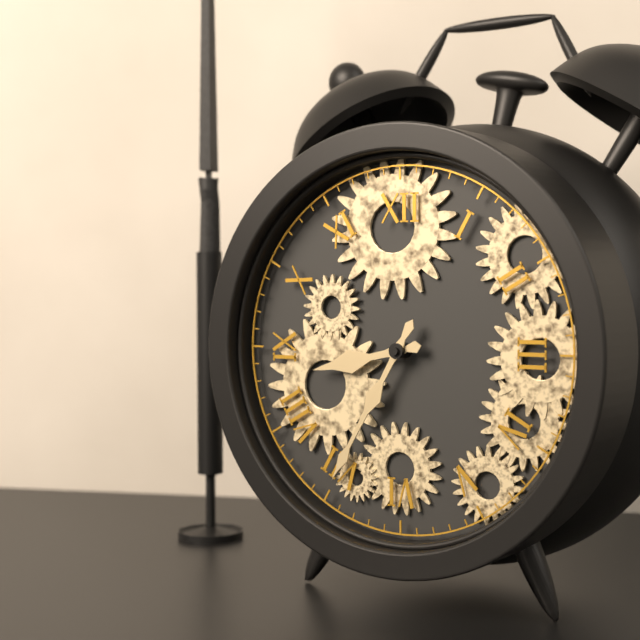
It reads {"hour": 8, "minute": 35}
